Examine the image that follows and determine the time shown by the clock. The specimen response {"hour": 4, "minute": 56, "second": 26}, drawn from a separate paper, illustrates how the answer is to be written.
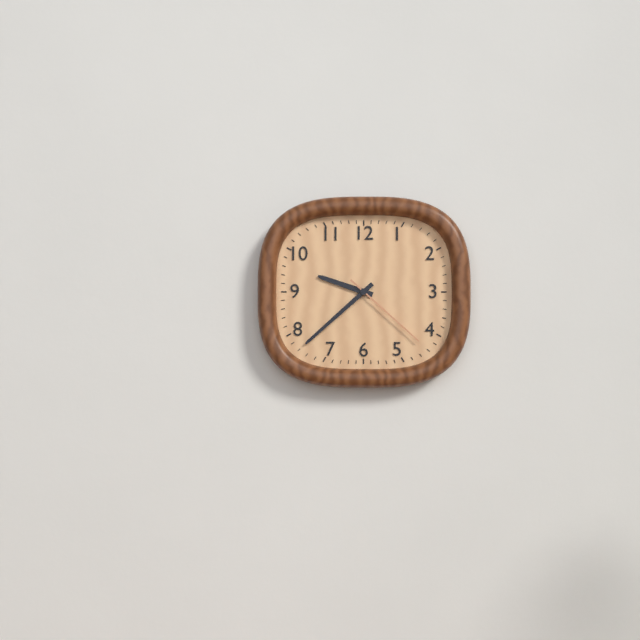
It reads {"hour": 9, "minute": 38, "second": 22}
